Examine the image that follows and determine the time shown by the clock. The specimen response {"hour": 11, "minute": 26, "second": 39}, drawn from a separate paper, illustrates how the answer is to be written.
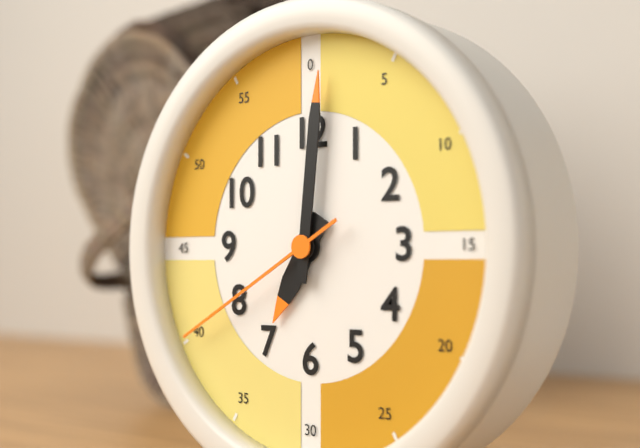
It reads {"hour": 7, "minute": 1, "second": 40}
